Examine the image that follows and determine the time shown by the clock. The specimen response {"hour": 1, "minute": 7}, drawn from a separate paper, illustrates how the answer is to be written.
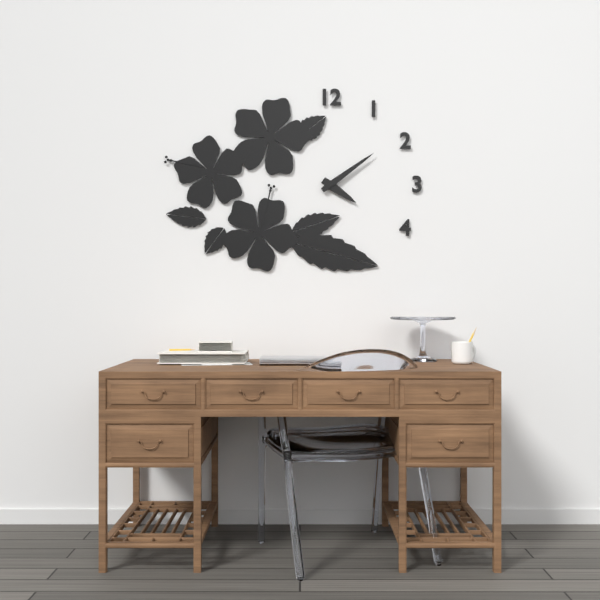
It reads {"hour": 4, "minute": 9}
